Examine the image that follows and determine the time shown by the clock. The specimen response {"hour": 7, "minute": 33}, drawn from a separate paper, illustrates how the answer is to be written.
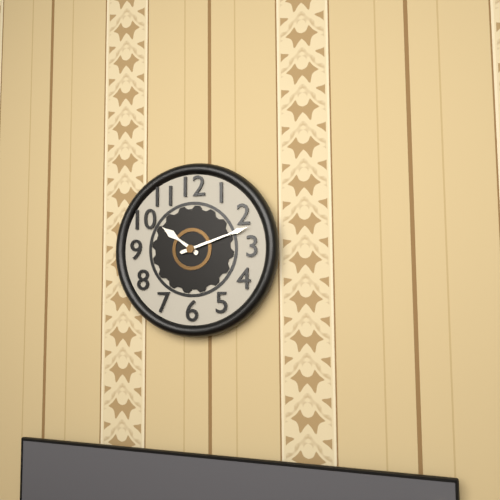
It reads {"hour": 10, "minute": 12}
